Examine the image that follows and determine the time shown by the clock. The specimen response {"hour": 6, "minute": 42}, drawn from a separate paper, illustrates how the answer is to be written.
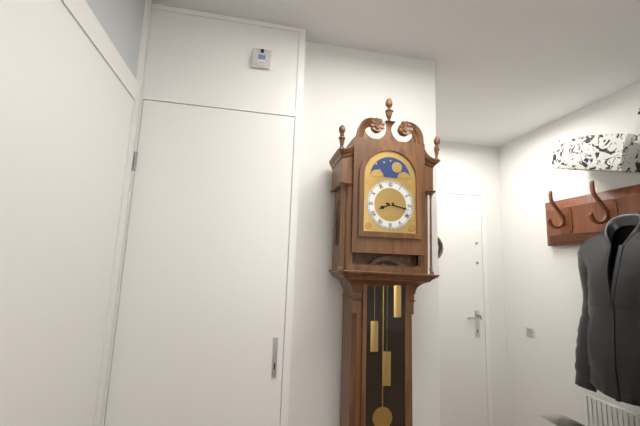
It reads {"hour": 8, "minute": 17}
